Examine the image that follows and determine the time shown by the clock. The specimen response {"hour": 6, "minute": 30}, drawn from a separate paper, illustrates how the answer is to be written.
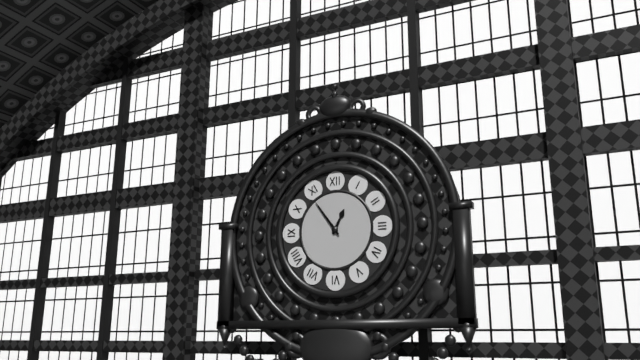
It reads {"hour": 12, "minute": 54}
